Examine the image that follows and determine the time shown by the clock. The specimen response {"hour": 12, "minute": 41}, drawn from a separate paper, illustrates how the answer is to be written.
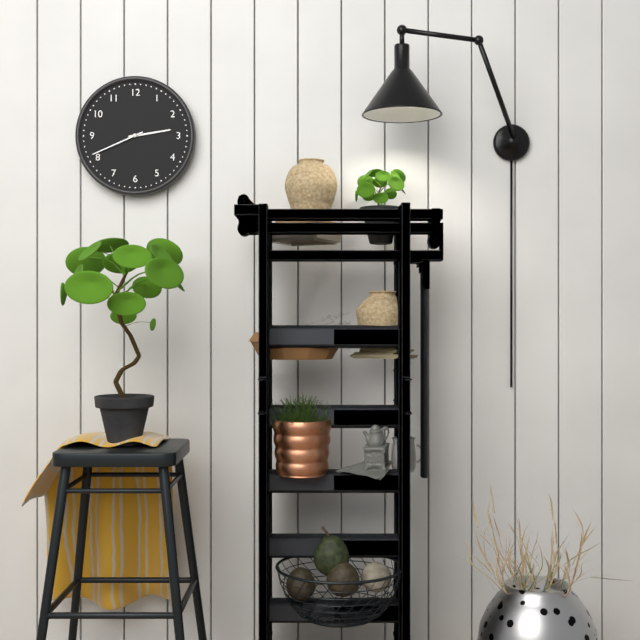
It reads {"hour": 2, "minute": 41}
